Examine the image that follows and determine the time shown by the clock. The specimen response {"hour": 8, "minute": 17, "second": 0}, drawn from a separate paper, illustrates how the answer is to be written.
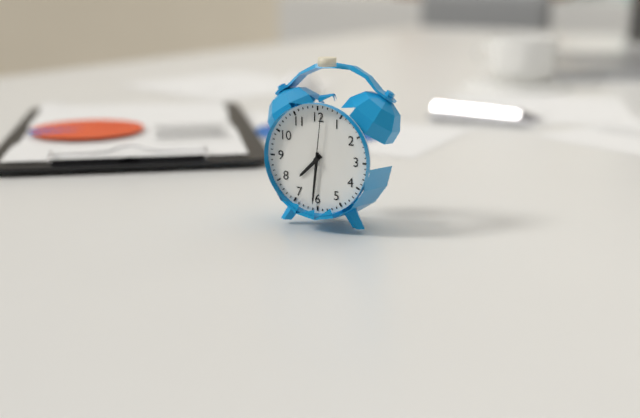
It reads {"hour": 7, "minute": 31, "second": 1}
